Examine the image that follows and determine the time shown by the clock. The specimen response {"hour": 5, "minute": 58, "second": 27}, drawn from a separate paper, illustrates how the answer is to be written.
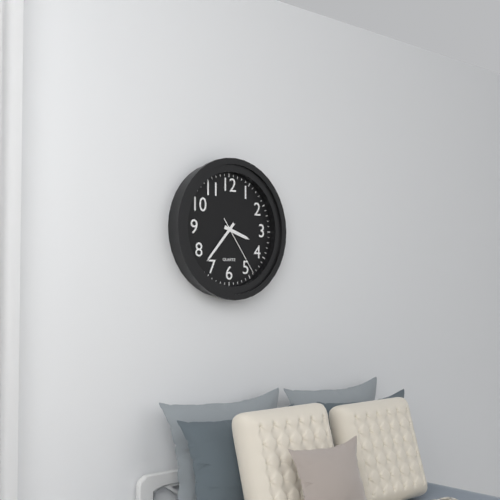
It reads {"hour": 3, "minute": 37, "second": 24}
